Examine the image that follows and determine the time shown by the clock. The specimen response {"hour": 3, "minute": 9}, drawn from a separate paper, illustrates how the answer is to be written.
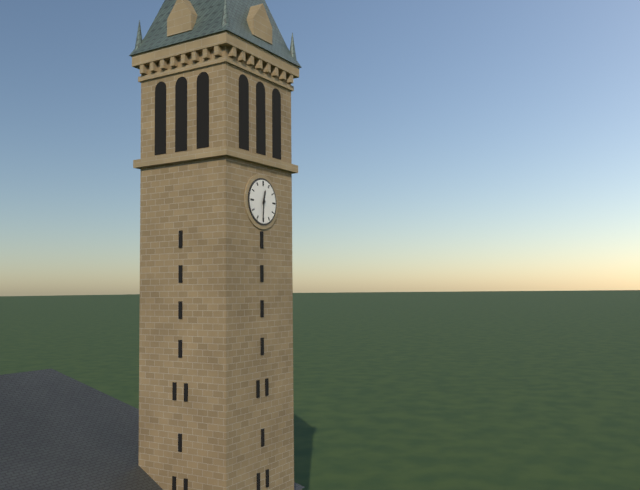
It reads {"hour": 12, "minute": 31}
